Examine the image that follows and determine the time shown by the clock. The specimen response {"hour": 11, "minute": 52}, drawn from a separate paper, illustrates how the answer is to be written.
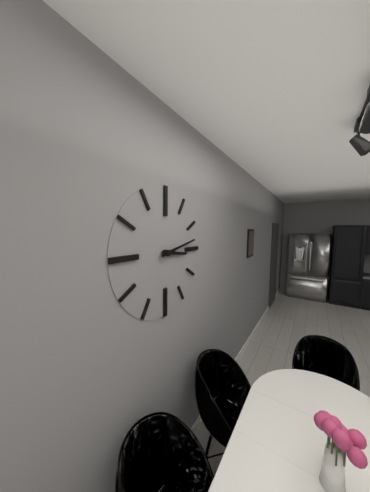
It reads {"hour": 3, "minute": 13}
